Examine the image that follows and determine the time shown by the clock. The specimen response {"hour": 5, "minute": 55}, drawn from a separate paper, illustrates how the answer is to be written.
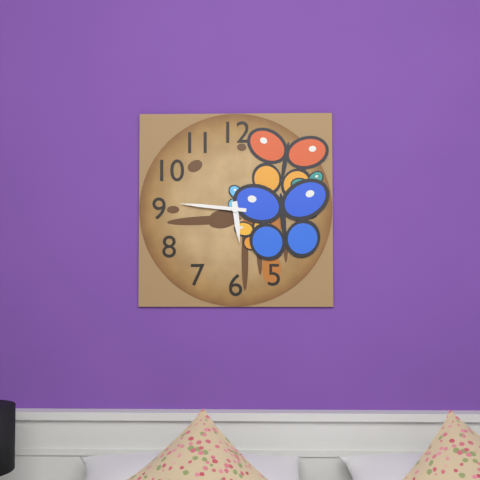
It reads {"hour": 5, "minute": 46}
